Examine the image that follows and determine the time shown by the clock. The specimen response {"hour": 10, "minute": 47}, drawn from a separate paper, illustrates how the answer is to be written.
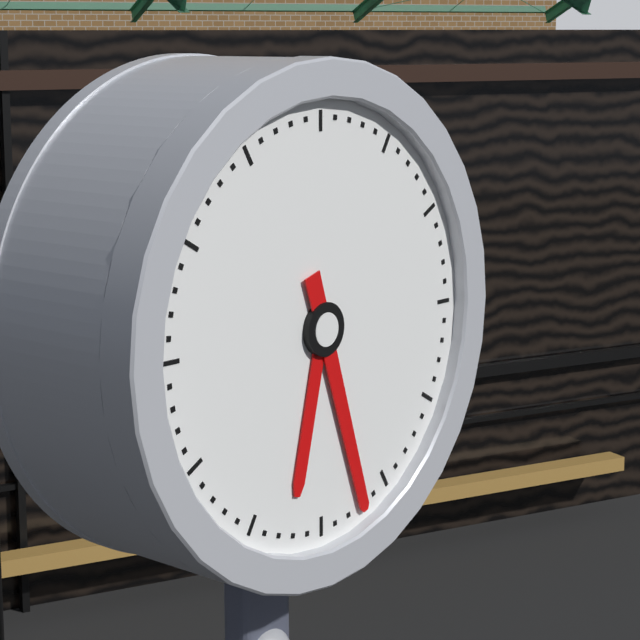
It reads {"hour": 6, "minute": 27}
